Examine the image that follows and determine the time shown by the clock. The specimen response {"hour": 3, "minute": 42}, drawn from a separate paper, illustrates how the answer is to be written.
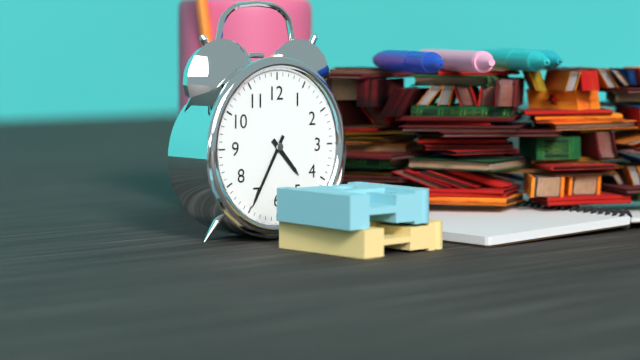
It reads {"hour": 4, "minute": 35}
